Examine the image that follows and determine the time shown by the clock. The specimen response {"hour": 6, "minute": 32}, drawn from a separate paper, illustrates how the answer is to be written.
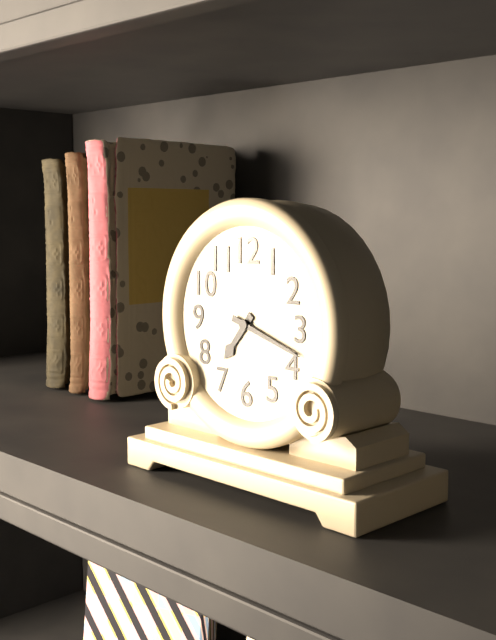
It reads {"hour": 7, "minute": 18}
